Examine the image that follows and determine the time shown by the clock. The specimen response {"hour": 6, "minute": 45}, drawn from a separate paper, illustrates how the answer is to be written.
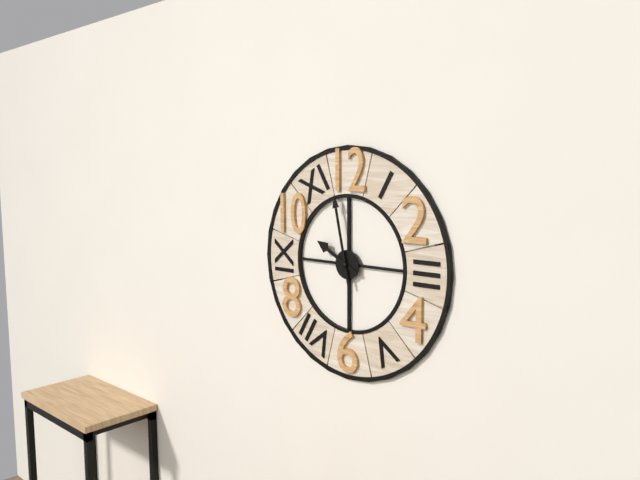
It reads {"hour": 9, "minute": 58}
